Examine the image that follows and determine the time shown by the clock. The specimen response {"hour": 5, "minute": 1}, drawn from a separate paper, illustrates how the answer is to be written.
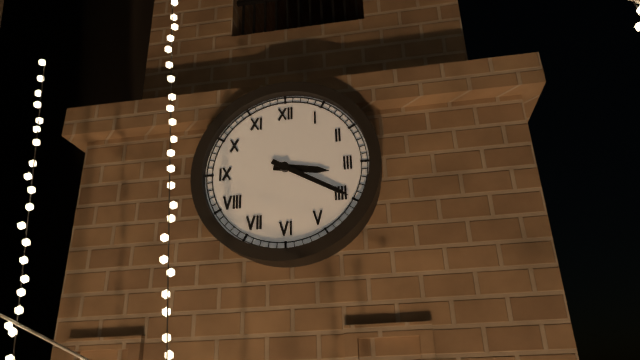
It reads {"hour": 3, "minute": 20}
